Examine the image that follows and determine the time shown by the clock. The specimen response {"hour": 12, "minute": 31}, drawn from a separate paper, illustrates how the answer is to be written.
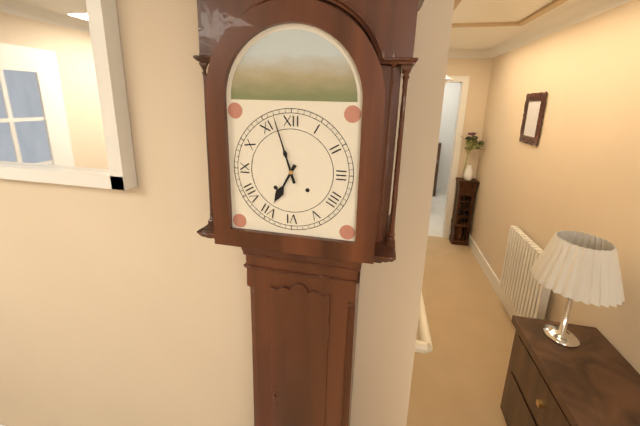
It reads {"hour": 6, "minute": 57}
